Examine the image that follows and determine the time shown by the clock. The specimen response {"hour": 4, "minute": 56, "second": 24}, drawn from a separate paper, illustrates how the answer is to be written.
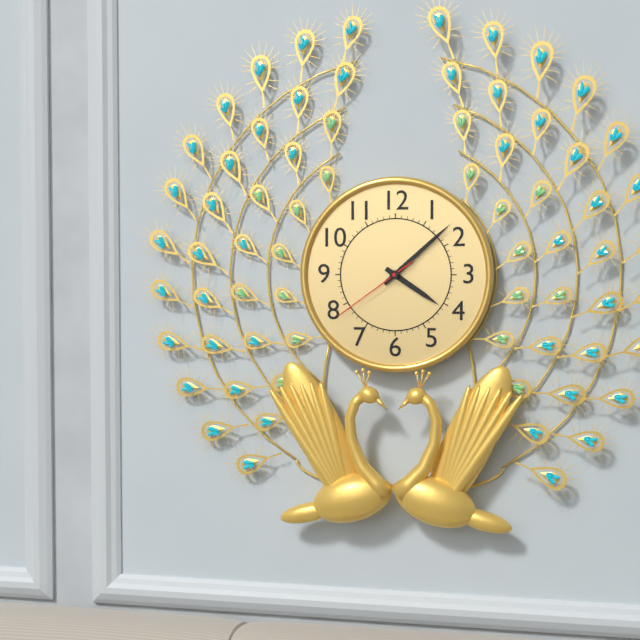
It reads {"hour": 4, "minute": 8, "second": 39}
